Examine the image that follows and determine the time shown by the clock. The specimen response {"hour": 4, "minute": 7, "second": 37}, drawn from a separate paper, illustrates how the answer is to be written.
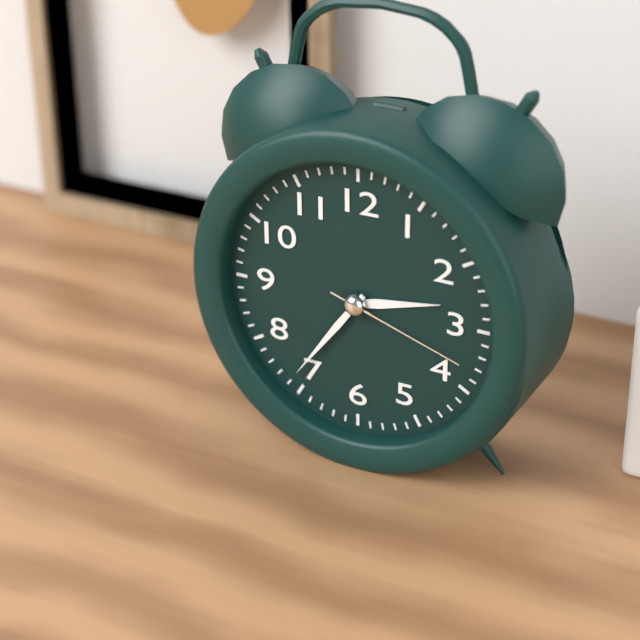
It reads {"hour": 2, "minute": 36, "second": 18}
